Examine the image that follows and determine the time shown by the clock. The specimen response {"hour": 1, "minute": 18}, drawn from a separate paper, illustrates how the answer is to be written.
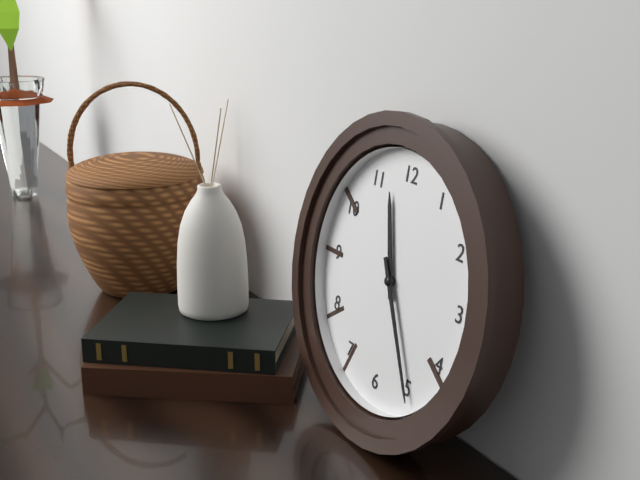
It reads {"hour": 11, "minute": 25}
